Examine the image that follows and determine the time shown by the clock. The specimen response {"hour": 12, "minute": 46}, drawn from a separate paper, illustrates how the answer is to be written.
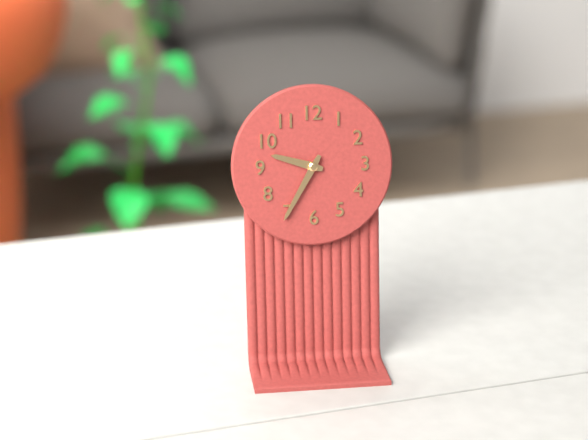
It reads {"hour": 9, "minute": 35}
